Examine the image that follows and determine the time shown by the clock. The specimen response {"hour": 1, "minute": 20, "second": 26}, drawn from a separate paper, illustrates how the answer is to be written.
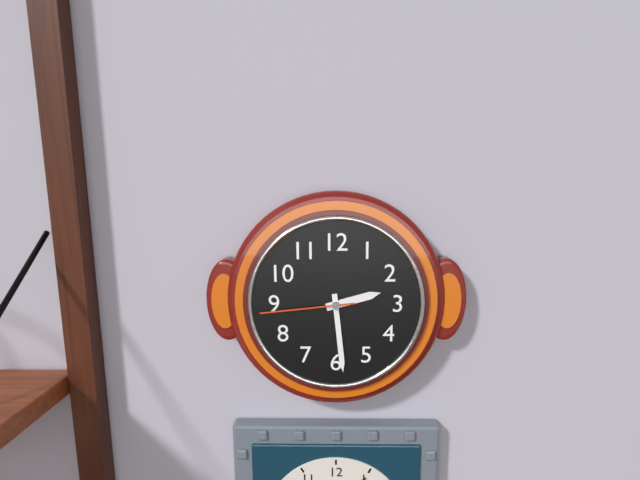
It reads {"hour": 2, "minute": 29, "second": 44}
